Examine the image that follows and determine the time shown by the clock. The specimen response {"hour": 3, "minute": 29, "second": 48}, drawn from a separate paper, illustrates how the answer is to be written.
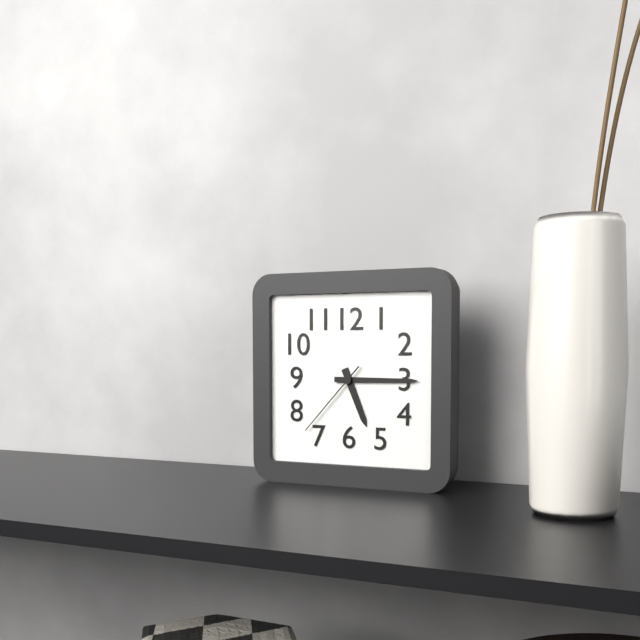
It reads {"hour": 5, "minute": 15, "second": 37}
